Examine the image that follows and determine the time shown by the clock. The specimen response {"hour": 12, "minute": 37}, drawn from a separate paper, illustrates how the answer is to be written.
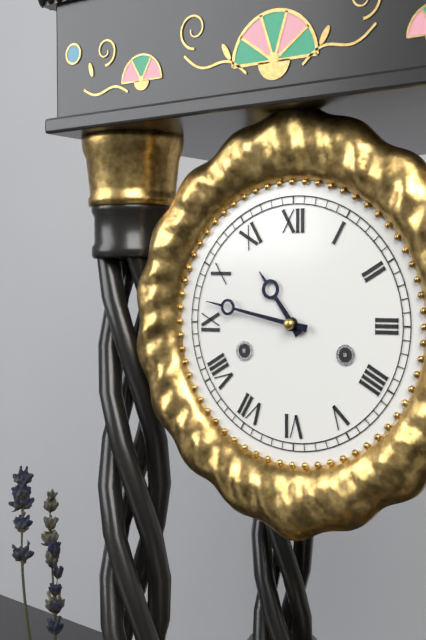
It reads {"hour": 10, "minute": 47}
